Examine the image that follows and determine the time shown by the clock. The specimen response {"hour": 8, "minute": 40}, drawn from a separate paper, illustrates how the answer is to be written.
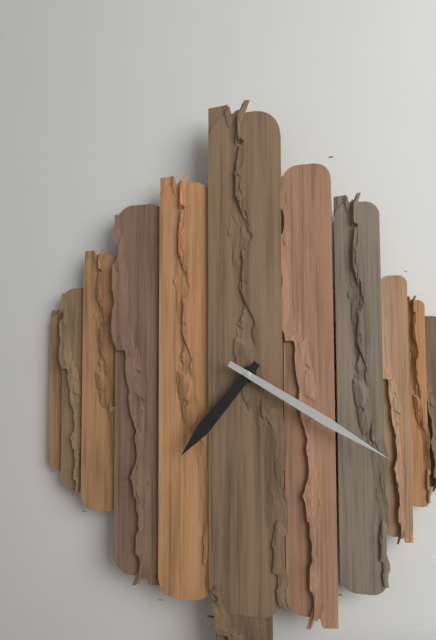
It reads {"hour": 7, "minute": 20}
